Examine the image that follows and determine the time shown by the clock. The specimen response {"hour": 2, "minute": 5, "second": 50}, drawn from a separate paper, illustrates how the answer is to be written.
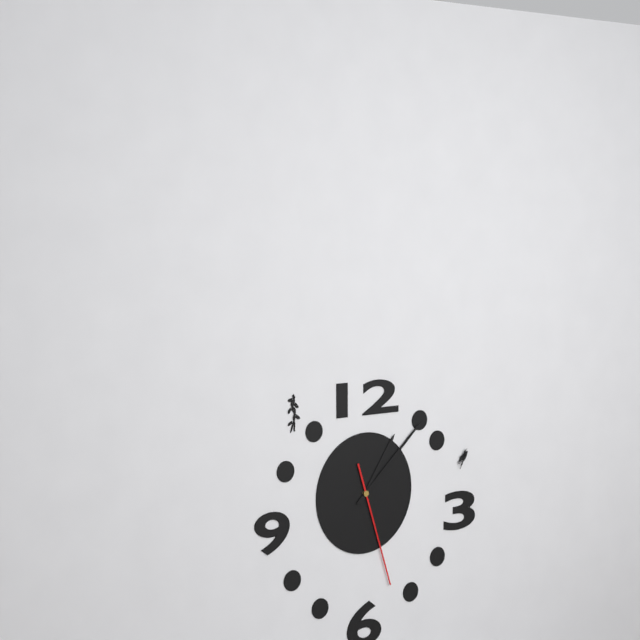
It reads {"hour": 1, "minute": 8, "second": 27}
